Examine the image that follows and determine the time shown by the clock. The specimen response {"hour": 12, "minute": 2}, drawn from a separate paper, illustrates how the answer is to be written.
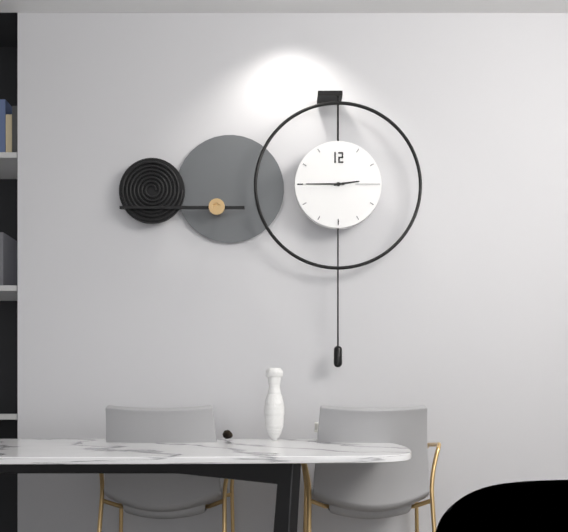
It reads {"hour": 2, "minute": 45}
